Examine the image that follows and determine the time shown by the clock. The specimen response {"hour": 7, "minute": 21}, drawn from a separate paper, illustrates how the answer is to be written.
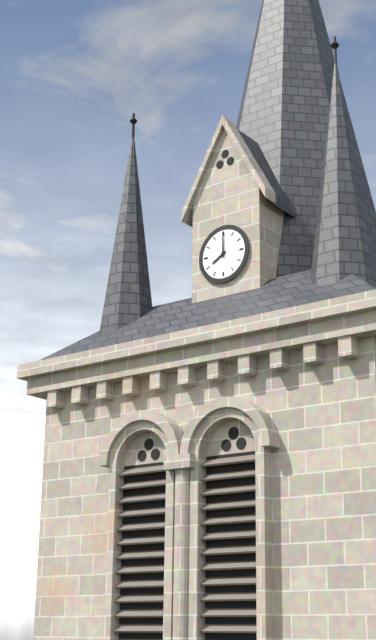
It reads {"hour": 8, "minute": 0}
